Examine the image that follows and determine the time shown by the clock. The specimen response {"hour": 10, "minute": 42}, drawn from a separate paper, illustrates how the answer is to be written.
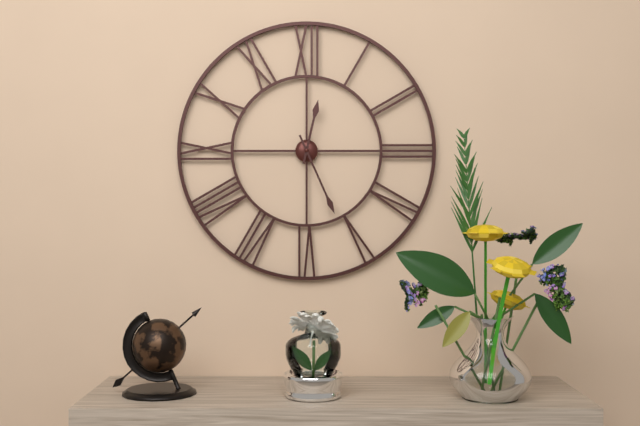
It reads {"hour": 12, "minute": 26}
